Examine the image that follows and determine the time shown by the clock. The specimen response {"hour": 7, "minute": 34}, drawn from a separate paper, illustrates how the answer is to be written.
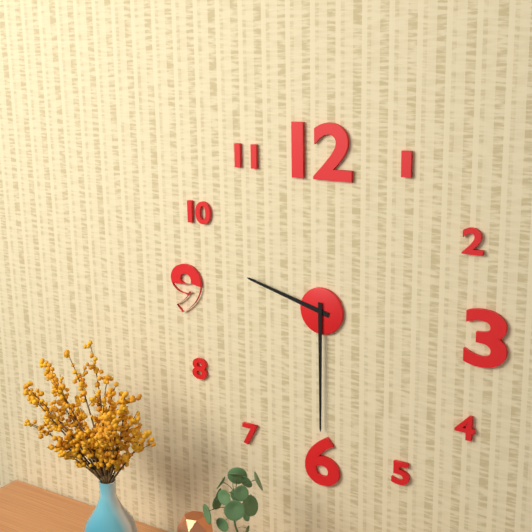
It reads {"hour": 9, "minute": 30}
